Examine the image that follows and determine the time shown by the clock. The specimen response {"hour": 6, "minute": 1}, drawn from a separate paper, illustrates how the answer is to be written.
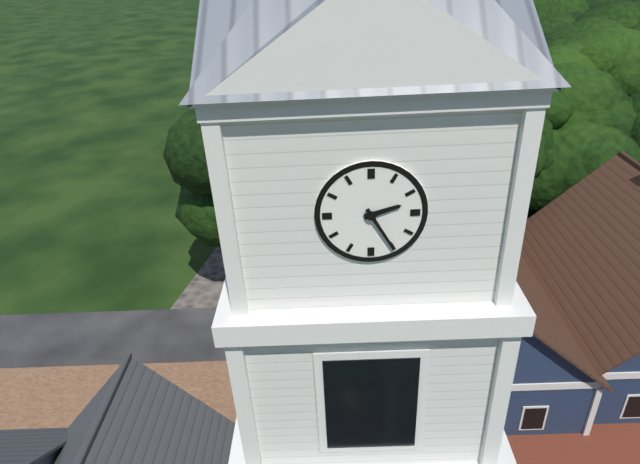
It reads {"hour": 2, "minute": 25}
